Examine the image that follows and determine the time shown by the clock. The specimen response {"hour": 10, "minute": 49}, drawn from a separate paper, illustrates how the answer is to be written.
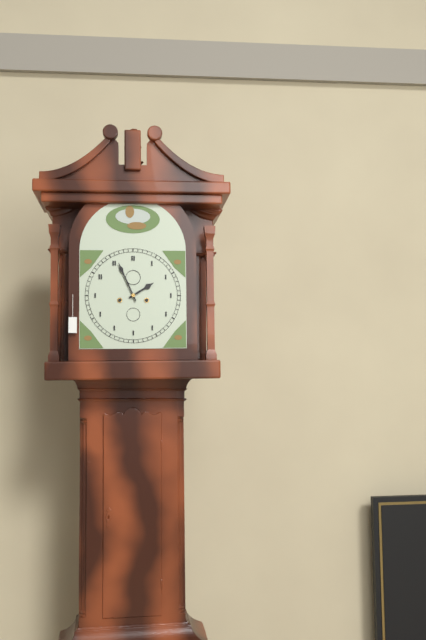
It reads {"hour": 1, "minute": 56}
